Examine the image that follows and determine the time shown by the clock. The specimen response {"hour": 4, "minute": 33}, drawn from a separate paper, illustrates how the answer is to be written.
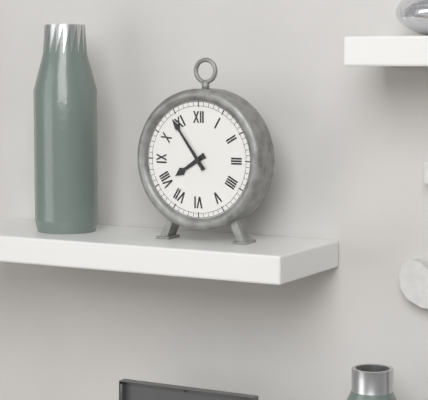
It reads {"hour": 7, "minute": 54}
